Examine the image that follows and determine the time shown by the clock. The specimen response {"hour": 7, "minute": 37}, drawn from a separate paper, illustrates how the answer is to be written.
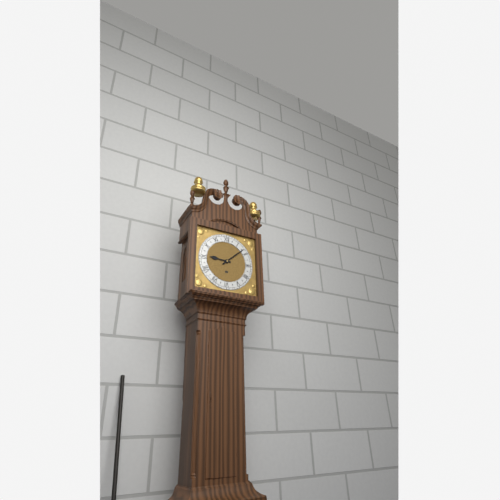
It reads {"hour": 9, "minute": 8}
